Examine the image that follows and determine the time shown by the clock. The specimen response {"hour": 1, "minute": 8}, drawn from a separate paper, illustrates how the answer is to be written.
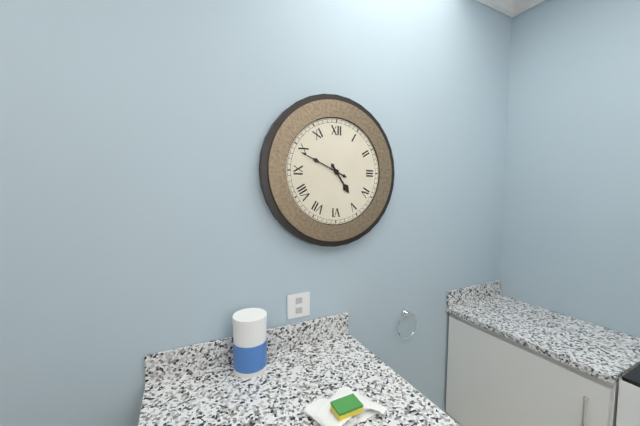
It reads {"hour": 4, "minute": 49}
